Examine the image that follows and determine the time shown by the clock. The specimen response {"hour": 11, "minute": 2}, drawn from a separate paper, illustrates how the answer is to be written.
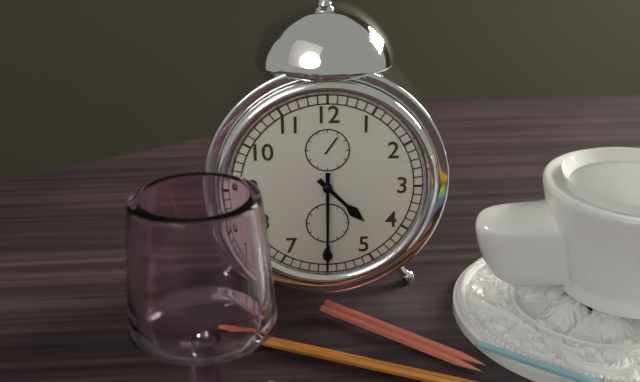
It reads {"hour": 4, "minute": 30}
